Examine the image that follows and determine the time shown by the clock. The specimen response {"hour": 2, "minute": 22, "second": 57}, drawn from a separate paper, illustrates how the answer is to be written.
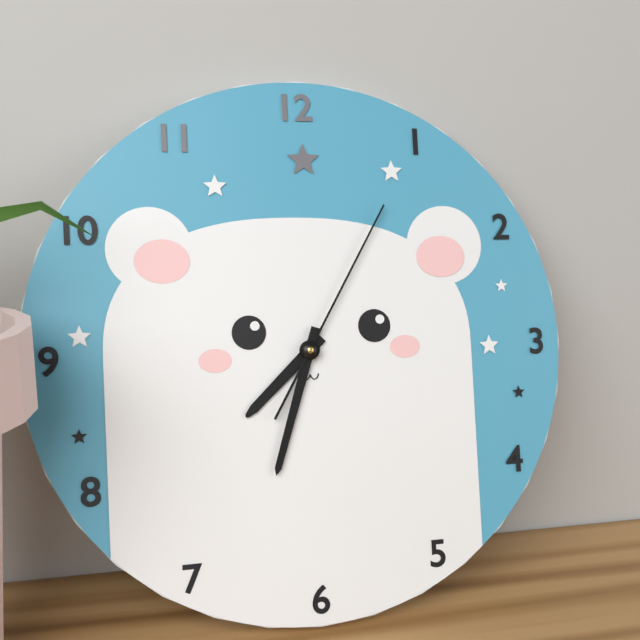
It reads {"hour": 7, "minute": 33, "second": 5}
